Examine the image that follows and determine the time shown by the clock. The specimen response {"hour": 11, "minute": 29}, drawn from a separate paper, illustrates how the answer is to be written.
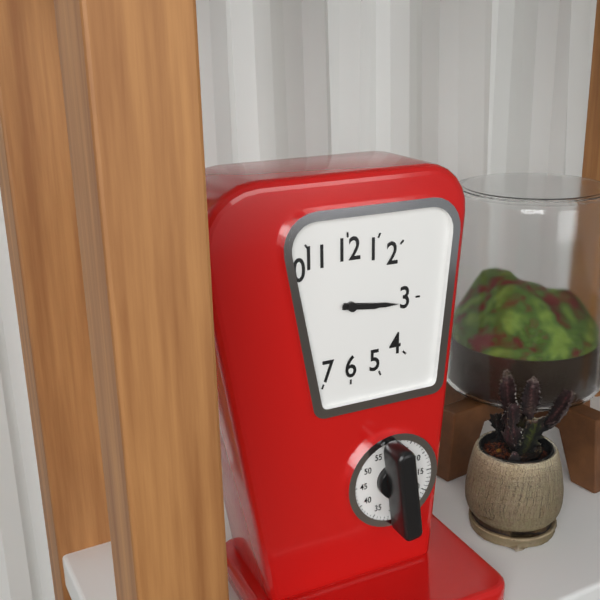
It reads {"hour": 3, "minute": 16}
